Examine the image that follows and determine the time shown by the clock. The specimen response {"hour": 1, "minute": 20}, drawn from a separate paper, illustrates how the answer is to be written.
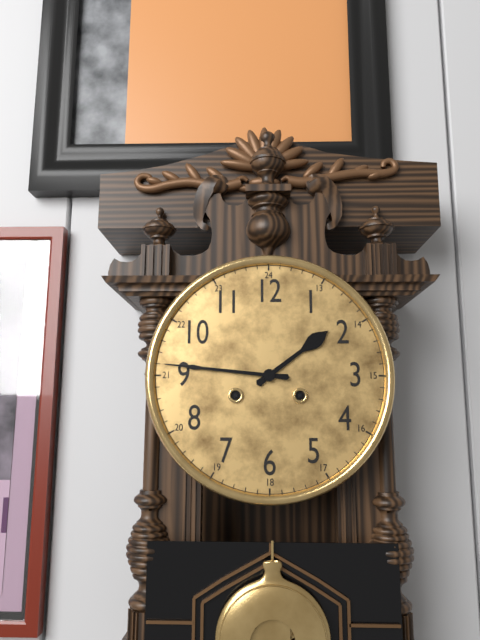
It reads {"hour": 1, "minute": 46}
